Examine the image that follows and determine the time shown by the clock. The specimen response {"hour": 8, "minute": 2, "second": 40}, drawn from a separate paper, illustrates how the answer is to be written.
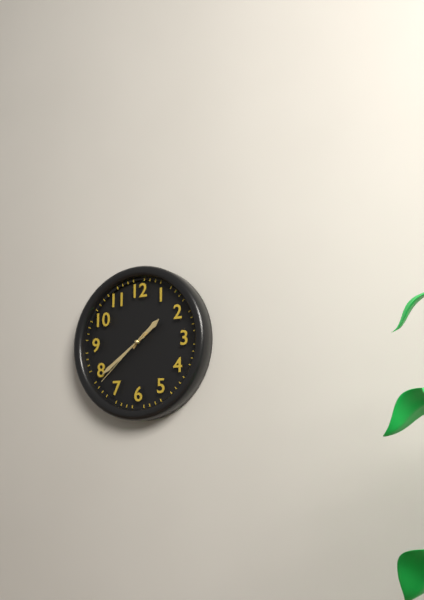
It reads {"hour": 1, "minute": 39, "second": 38}
